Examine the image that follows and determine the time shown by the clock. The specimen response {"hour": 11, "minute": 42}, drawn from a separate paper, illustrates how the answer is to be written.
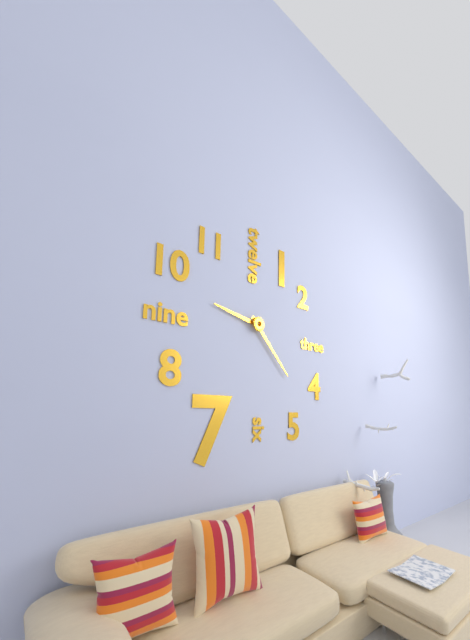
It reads {"hour": 9, "minute": 23}
